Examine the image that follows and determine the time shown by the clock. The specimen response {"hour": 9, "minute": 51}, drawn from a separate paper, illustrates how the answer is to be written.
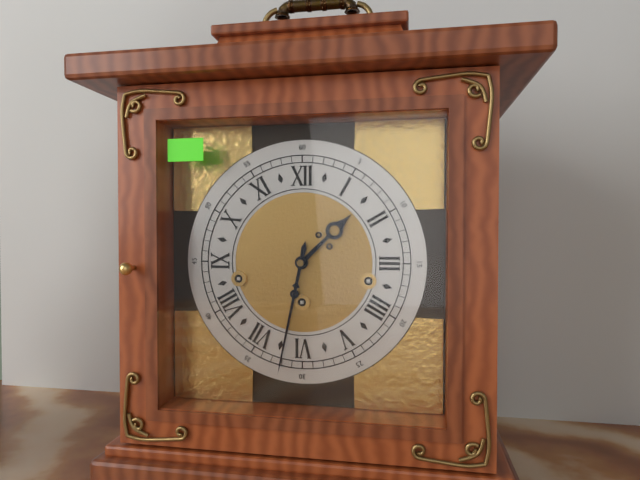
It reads {"hour": 1, "minute": 32}
